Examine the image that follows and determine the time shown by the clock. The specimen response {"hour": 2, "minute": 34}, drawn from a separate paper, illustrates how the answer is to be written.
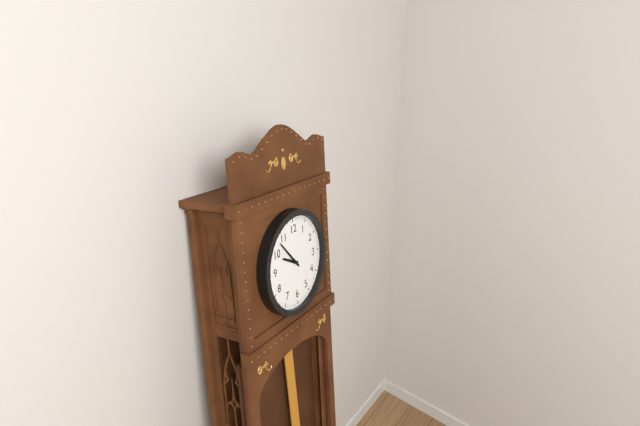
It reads {"hour": 9, "minute": 53}
